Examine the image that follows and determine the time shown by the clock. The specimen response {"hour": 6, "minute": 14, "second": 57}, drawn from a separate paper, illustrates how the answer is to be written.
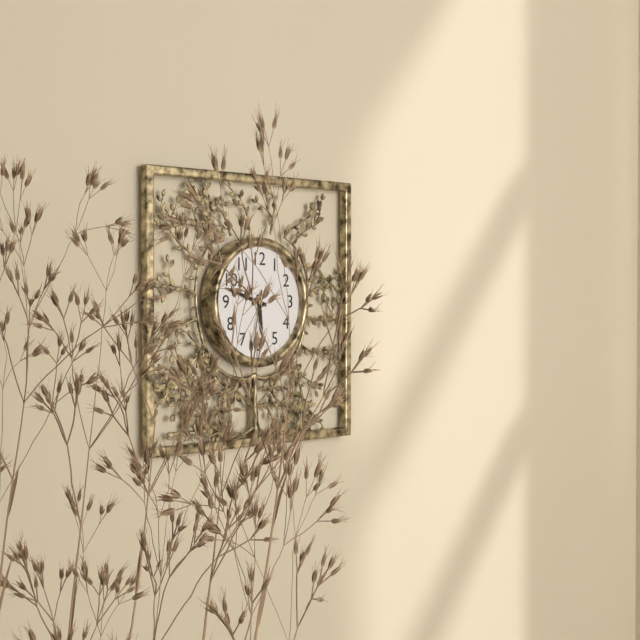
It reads {"hour": 5, "minute": 48, "second": 32}
